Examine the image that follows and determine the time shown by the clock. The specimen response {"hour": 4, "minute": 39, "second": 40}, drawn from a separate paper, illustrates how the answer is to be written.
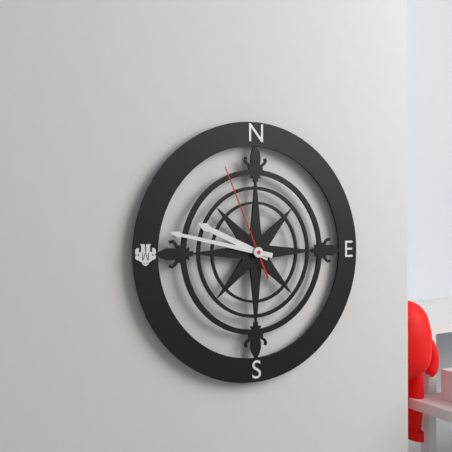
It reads {"hour": 9, "minute": 47, "second": 56}
